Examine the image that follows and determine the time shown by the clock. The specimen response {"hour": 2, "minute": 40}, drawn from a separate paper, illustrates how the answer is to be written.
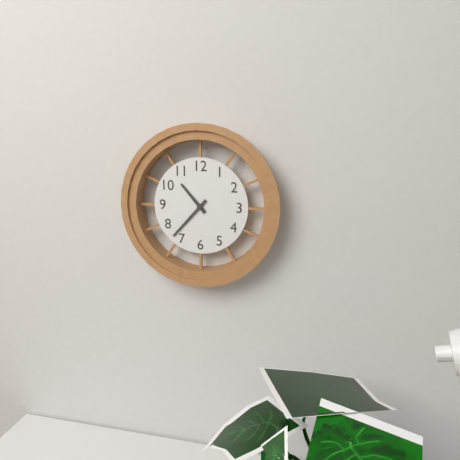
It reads {"hour": 10, "minute": 37}
